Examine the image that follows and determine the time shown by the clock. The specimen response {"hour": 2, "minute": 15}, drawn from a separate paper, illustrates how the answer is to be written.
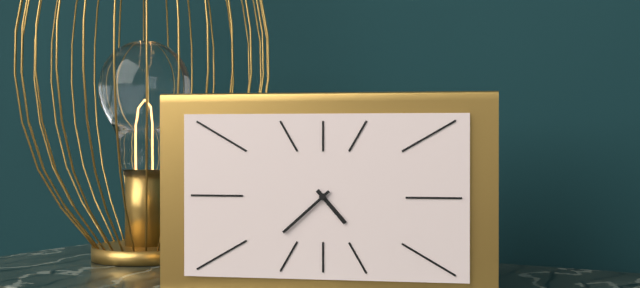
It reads {"hour": 4, "minute": 38}
